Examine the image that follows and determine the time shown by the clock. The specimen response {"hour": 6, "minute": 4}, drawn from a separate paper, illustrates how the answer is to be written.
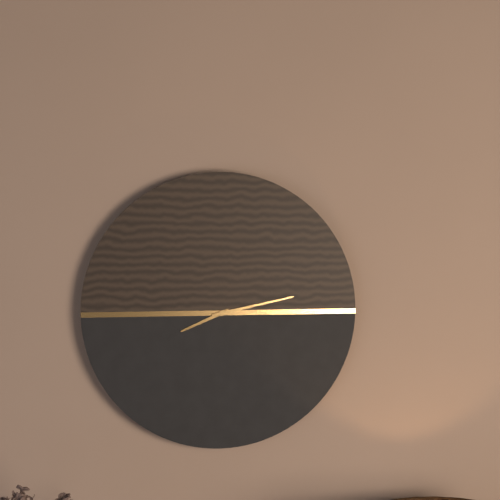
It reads {"hour": 8, "minute": 13}
